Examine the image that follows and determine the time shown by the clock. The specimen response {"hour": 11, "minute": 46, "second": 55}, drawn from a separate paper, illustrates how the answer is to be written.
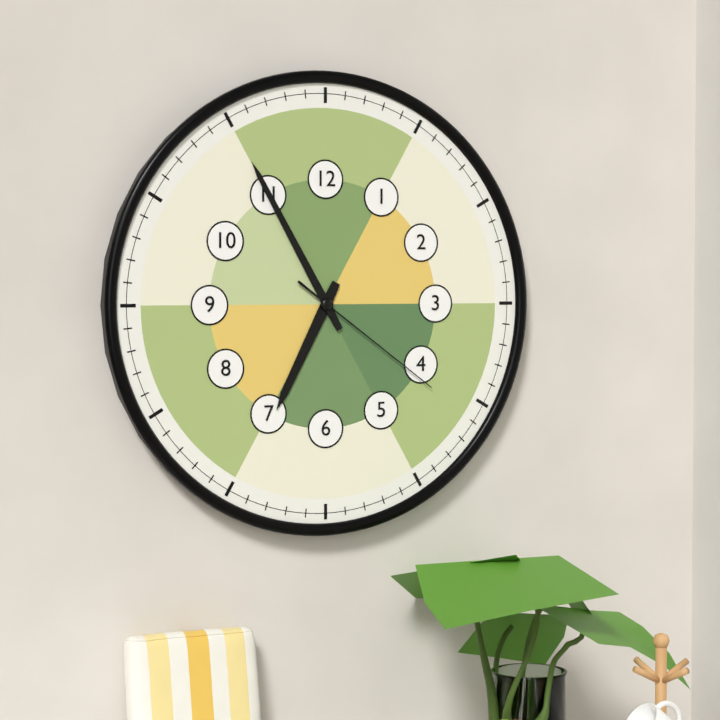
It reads {"hour": 6, "minute": 55, "second": 21}
